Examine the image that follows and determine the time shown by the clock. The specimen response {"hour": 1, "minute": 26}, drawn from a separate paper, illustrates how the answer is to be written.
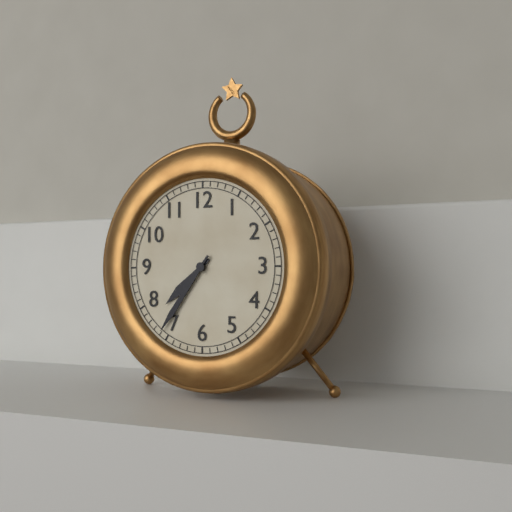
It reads {"hour": 7, "minute": 36}
